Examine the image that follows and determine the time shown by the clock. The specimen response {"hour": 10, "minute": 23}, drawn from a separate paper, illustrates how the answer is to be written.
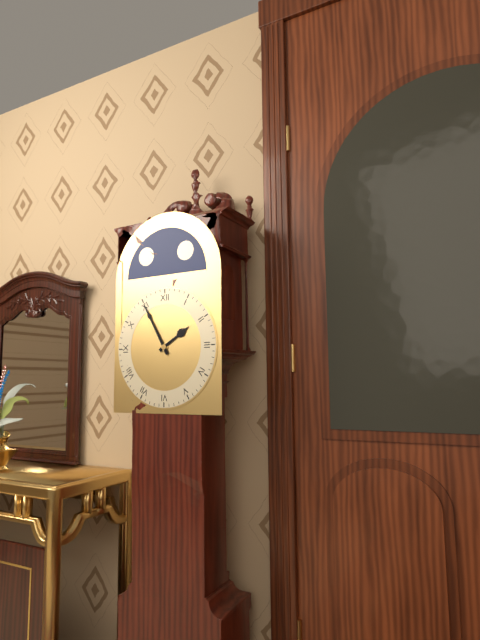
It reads {"hour": 1, "minute": 55}
